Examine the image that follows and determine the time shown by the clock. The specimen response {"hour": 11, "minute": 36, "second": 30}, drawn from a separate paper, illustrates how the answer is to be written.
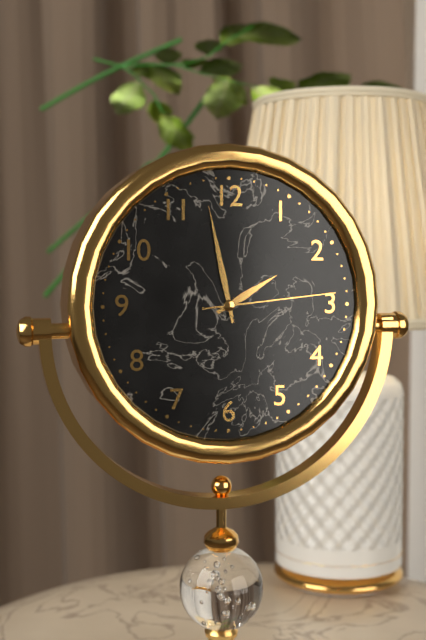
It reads {"hour": 1, "minute": 58, "second": 14}
